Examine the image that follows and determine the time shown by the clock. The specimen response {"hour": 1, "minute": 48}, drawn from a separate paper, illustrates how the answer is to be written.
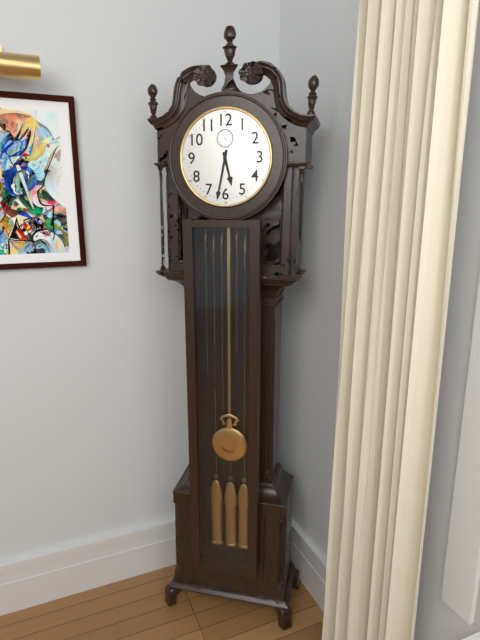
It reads {"hour": 5, "minute": 32}
